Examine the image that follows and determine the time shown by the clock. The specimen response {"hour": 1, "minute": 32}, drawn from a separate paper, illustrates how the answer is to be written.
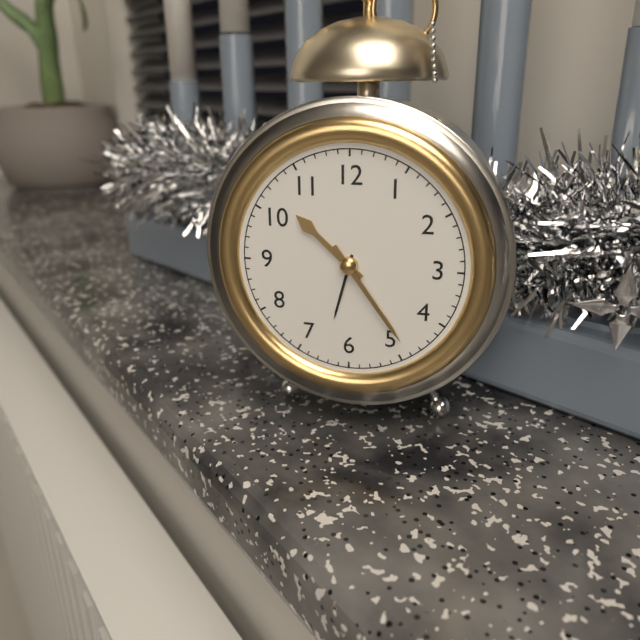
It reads {"hour": 10, "minute": 24}
